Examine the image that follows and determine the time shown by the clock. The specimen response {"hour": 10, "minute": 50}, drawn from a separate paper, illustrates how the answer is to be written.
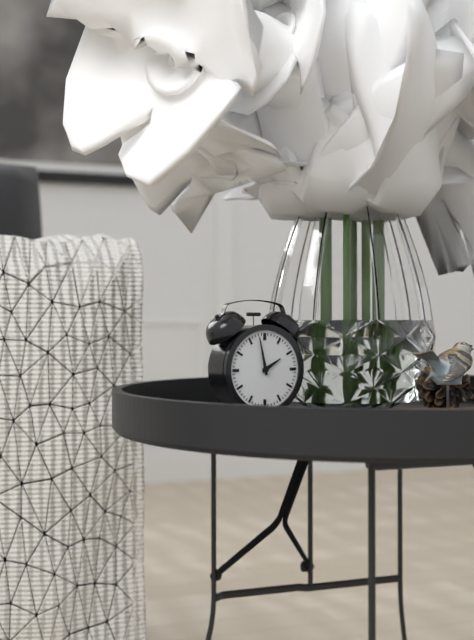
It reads {"hour": 1, "minute": 58}
